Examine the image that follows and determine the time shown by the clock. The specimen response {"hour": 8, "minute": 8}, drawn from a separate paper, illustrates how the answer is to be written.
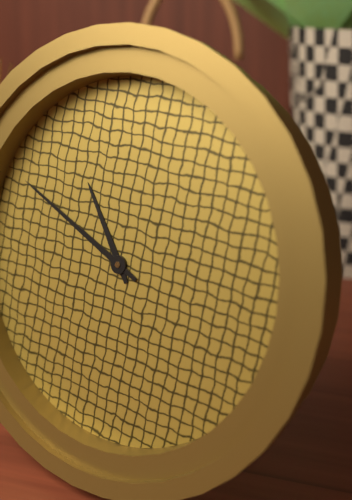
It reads {"hour": 10, "minute": 49}
